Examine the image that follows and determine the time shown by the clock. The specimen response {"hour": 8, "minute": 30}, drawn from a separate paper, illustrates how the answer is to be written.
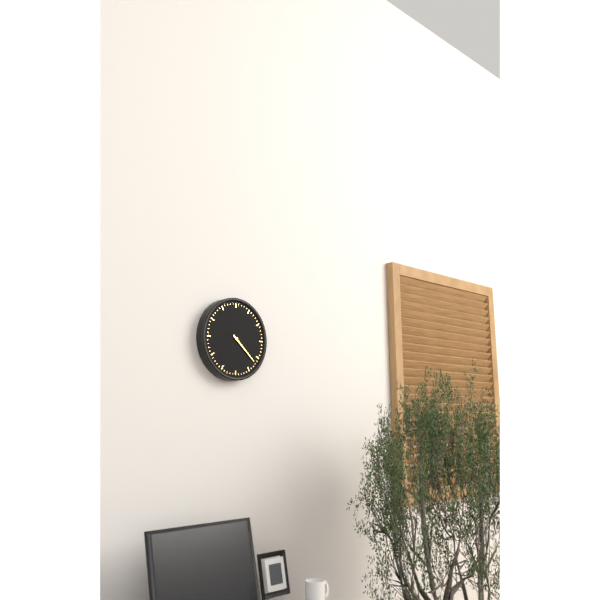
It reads {"hour": 4, "minute": 22}
